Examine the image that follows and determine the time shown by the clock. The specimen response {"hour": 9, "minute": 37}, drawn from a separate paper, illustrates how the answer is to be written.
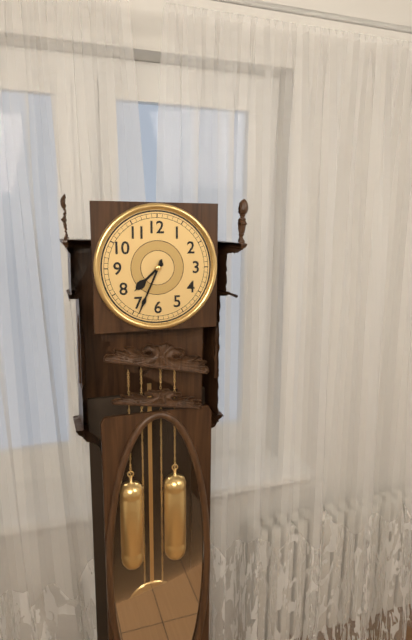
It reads {"hour": 7, "minute": 34}
